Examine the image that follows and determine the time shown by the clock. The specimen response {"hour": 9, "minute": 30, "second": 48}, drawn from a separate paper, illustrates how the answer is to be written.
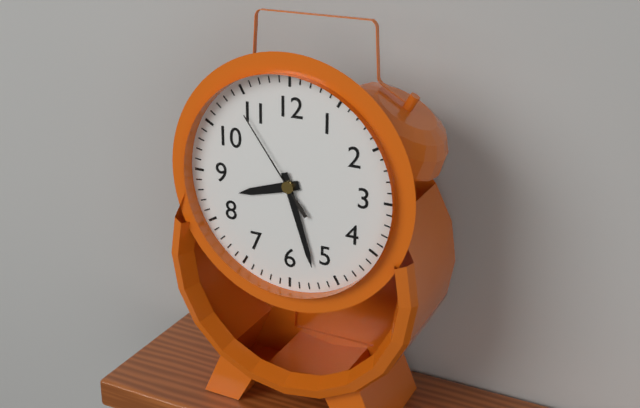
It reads {"hour": 8, "minute": 27, "second": 54}
